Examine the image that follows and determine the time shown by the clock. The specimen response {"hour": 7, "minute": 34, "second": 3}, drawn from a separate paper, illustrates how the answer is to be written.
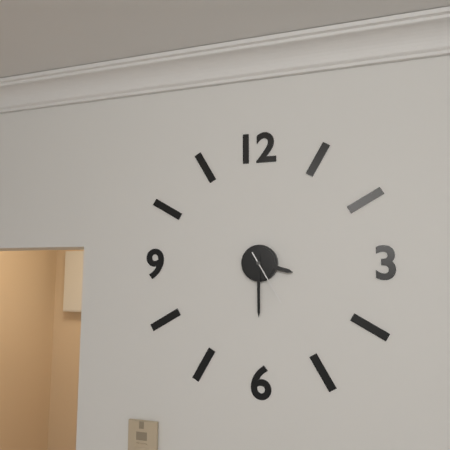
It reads {"hour": 3, "minute": 30, "second": 25}
